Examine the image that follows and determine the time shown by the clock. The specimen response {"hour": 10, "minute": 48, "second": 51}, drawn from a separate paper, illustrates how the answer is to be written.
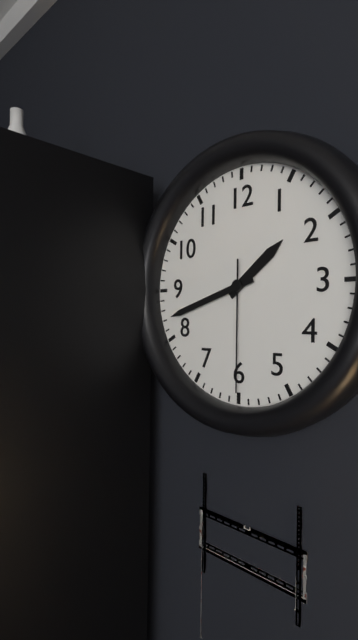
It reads {"hour": 1, "minute": 42, "second": 30}
